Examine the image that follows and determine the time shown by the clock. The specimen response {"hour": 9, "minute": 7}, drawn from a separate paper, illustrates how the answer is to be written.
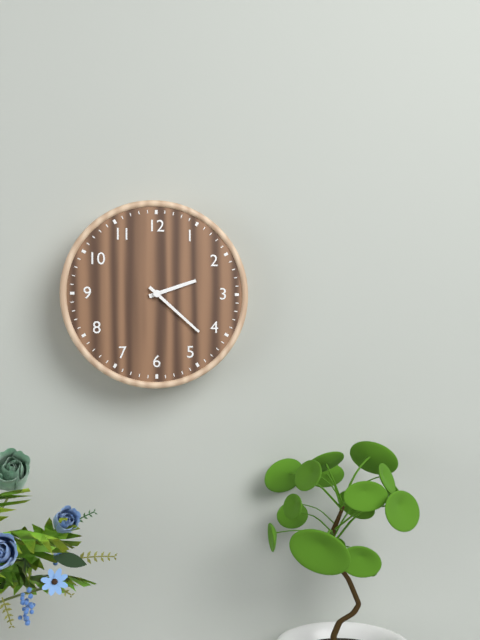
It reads {"hour": 2, "minute": 22}
